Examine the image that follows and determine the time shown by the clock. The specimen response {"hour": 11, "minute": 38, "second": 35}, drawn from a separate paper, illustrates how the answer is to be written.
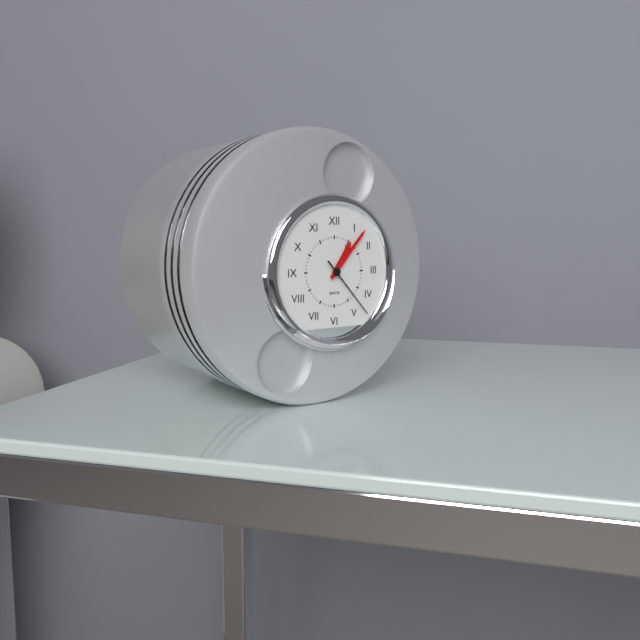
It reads {"hour": 1, "minute": 7, "second": 23}
